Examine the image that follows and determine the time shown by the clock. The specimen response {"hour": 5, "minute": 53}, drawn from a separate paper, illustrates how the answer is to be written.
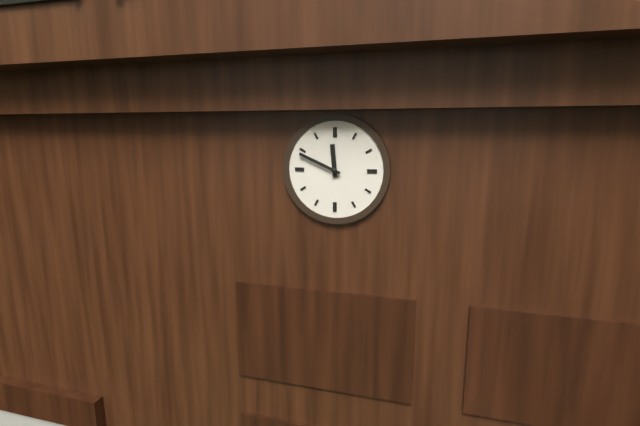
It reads {"hour": 11, "minute": 49}
